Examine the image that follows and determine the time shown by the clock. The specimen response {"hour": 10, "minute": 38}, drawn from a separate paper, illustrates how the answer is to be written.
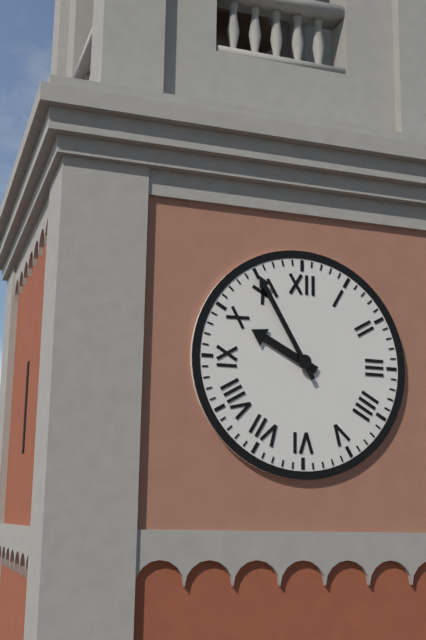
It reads {"hour": 9, "minute": 55}
